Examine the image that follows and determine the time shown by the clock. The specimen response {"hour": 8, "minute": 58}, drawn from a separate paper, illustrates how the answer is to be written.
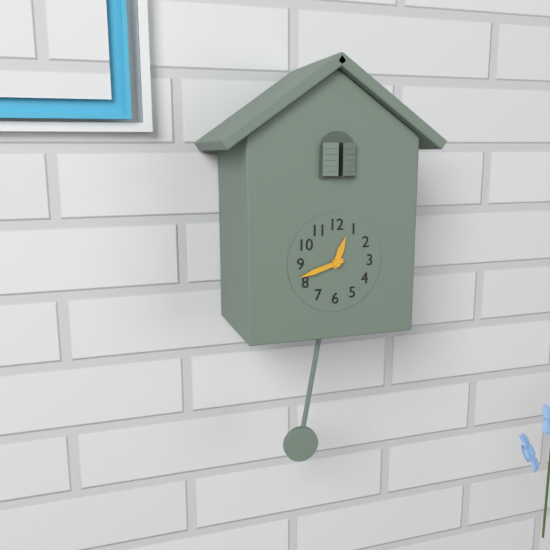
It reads {"hour": 12, "minute": 42}
